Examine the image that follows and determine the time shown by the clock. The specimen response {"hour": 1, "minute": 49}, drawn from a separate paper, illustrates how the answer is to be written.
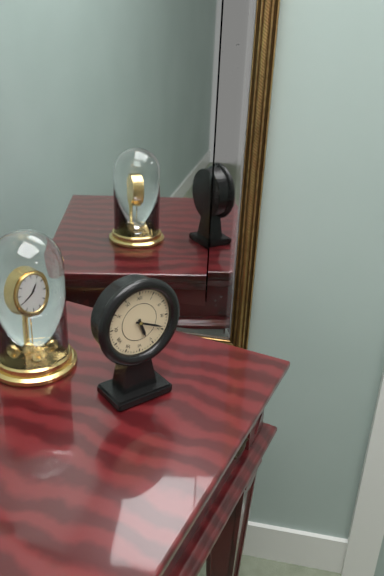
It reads {"hour": 5, "minute": 19}
